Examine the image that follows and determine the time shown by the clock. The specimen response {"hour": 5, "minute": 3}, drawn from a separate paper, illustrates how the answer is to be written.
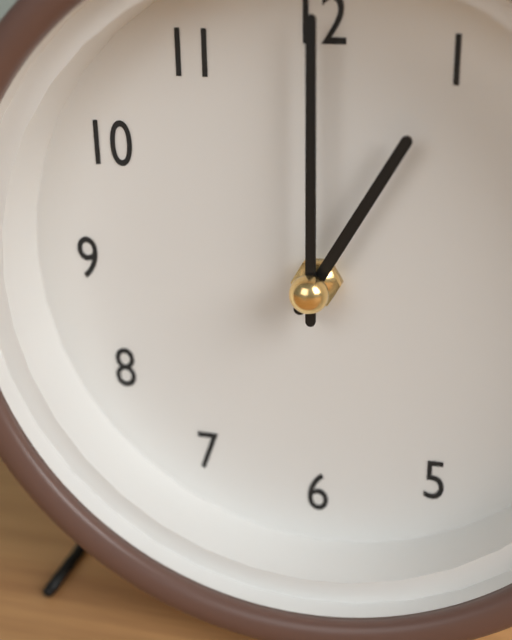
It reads {"hour": 1, "minute": 0}
